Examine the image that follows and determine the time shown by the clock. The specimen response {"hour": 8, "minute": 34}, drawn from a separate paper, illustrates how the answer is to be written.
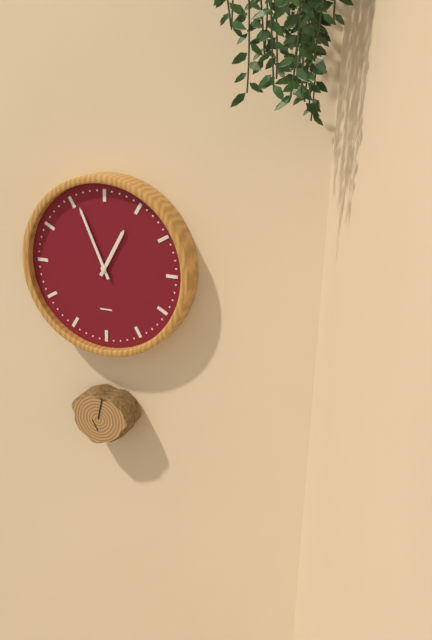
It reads {"hour": 12, "minute": 56}
